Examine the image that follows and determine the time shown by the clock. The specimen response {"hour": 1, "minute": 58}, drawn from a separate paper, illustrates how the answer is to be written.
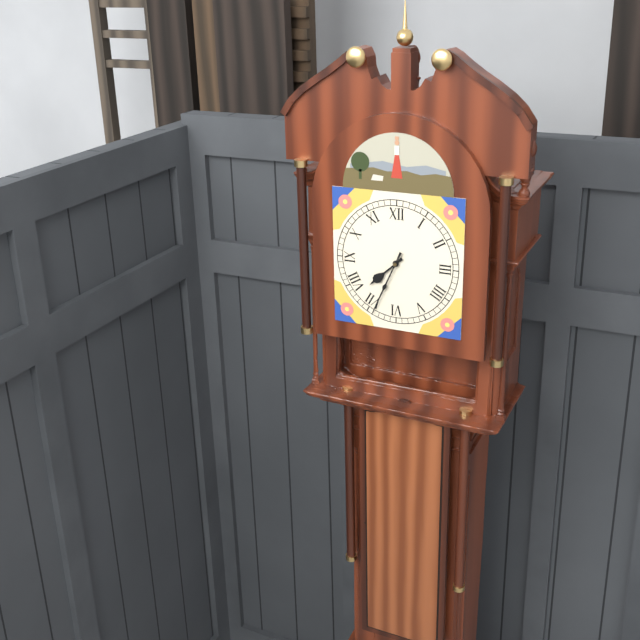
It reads {"hour": 7, "minute": 34}
